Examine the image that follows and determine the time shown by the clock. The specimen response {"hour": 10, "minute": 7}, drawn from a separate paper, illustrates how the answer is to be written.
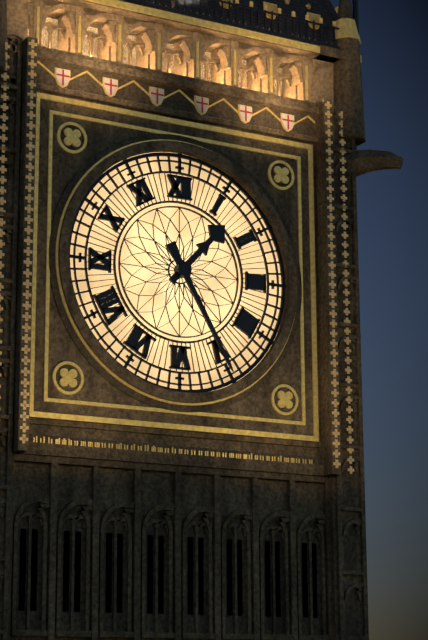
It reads {"hour": 1, "minute": 25}
